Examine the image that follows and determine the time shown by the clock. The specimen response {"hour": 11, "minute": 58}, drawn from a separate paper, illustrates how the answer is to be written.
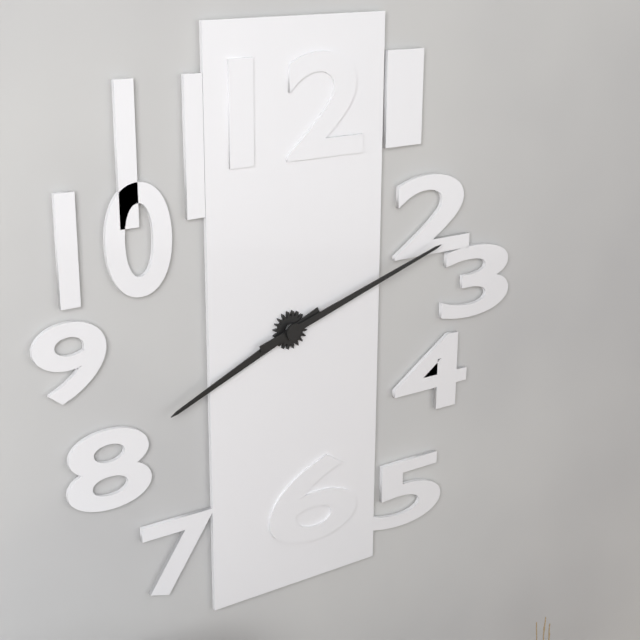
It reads {"hour": 8, "minute": 12}
